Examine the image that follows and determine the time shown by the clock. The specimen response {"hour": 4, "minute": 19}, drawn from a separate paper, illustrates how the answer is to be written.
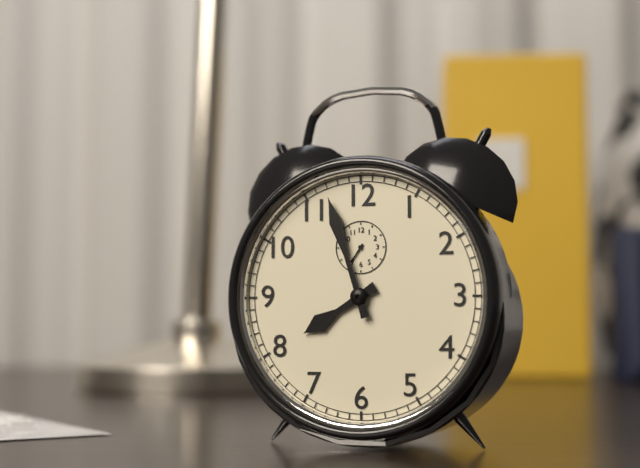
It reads {"hour": 7, "minute": 57}
